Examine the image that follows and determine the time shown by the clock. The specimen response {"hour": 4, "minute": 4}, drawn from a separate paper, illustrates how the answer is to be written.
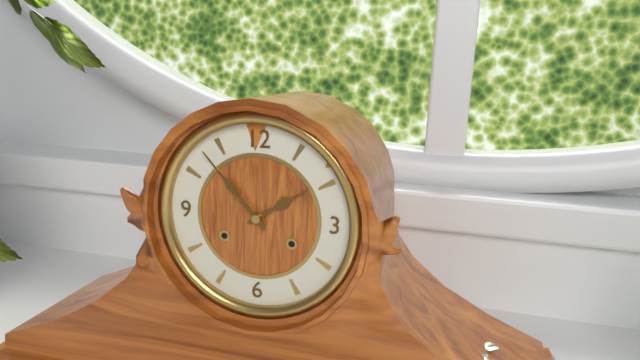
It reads {"hour": 1, "minute": 53}
